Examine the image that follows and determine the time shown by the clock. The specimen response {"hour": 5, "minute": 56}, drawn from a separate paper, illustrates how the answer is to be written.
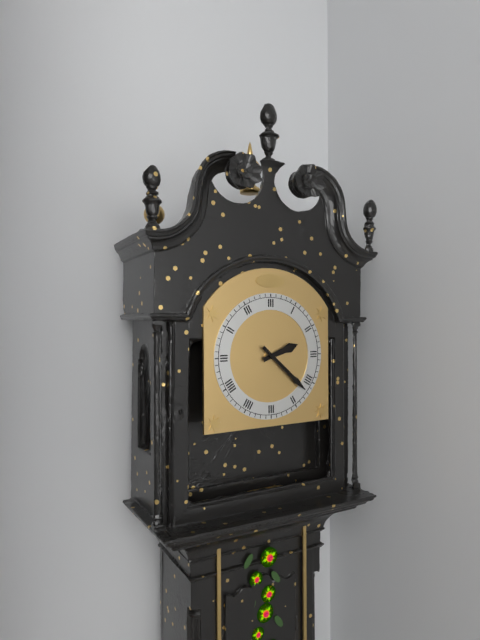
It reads {"hour": 2, "minute": 22}
